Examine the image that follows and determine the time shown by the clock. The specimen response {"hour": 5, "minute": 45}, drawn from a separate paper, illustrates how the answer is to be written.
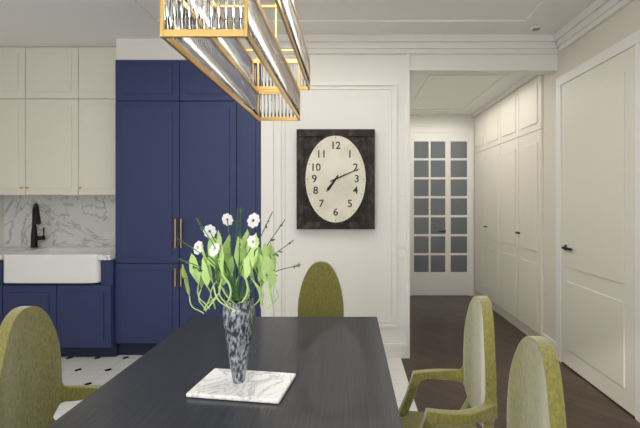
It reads {"hour": 7, "minute": 11}
